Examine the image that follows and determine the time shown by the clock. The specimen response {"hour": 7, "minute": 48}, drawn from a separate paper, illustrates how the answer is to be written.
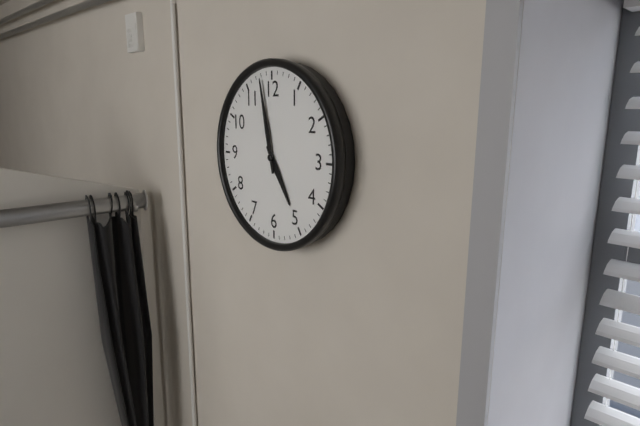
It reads {"hour": 4, "minute": 58}
